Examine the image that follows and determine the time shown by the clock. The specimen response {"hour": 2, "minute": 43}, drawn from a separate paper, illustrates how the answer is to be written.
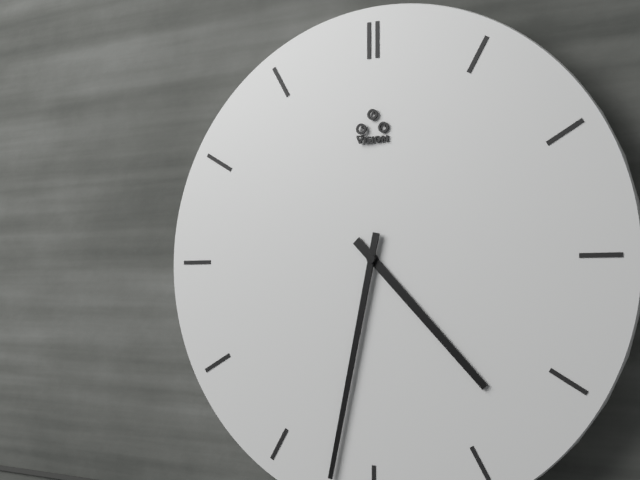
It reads {"hour": 4, "minute": 32}
